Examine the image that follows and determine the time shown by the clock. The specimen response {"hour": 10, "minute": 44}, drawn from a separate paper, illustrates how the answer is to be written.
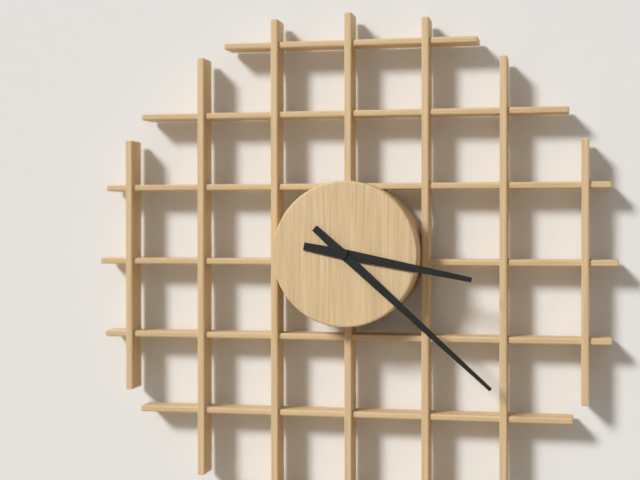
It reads {"hour": 3, "minute": 22}
